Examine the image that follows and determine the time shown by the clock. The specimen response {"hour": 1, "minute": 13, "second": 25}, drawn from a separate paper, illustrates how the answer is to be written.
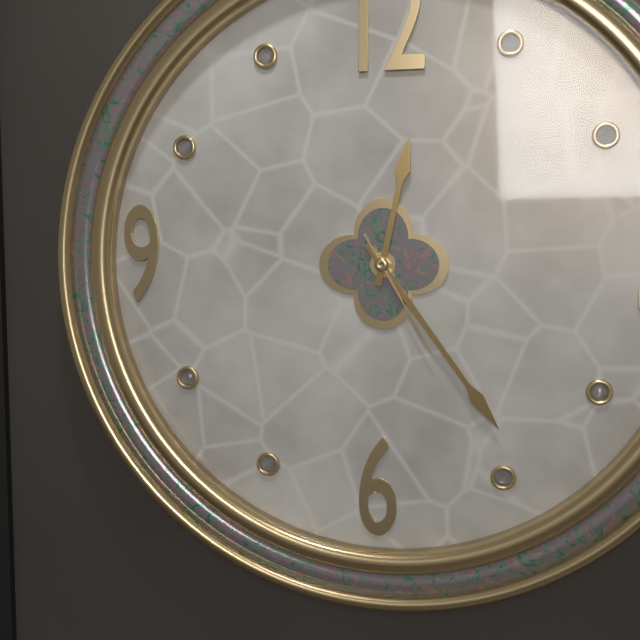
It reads {"hour": 12, "minute": 24, "second": 25}
